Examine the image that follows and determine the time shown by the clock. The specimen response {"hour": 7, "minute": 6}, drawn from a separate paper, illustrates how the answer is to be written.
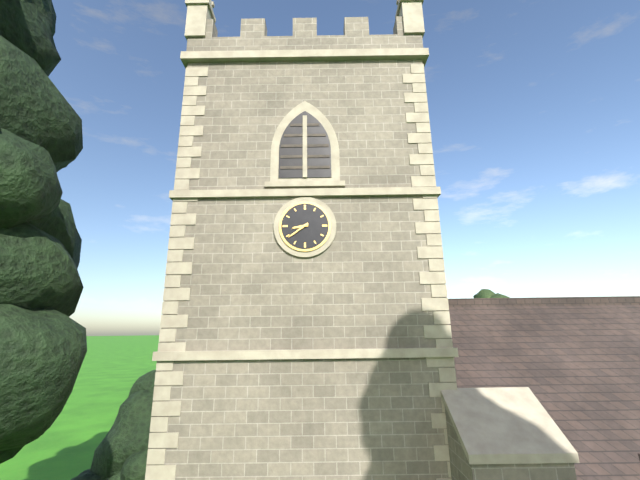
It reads {"hour": 8, "minute": 39}
